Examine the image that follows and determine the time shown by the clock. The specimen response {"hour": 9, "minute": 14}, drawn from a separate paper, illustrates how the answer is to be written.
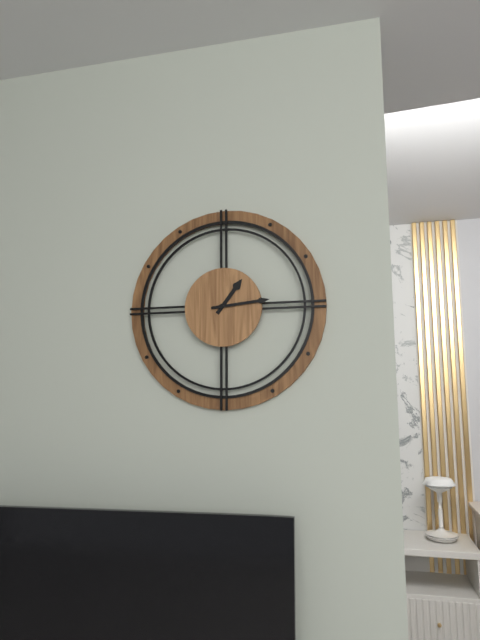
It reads {"hour": 1, "minute": 14}
